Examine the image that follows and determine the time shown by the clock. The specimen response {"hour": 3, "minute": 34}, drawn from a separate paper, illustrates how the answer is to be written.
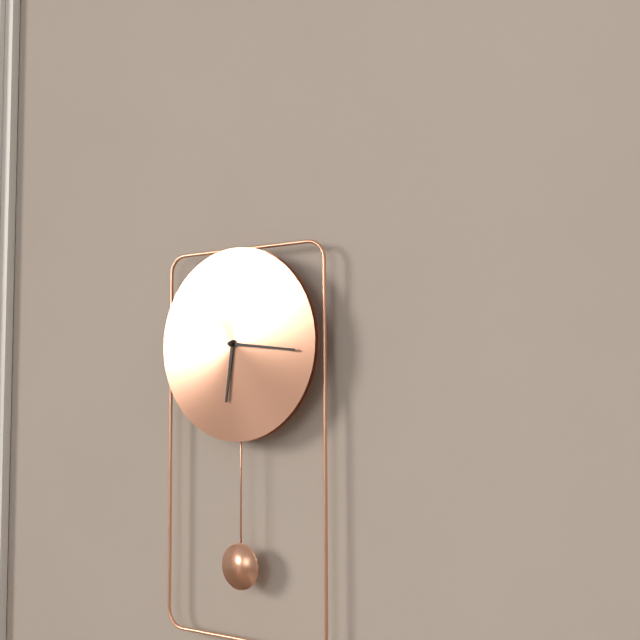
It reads {"hour": 6, "minute": 16}
